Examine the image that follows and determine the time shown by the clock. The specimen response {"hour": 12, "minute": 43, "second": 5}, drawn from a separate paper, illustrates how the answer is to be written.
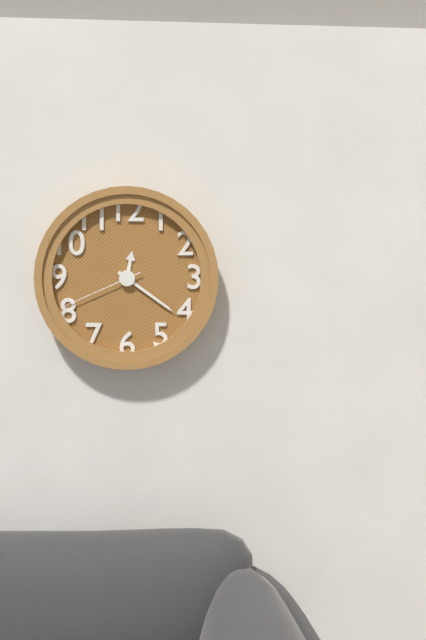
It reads {"hour": 12, "minute": 21, "second": 41}
